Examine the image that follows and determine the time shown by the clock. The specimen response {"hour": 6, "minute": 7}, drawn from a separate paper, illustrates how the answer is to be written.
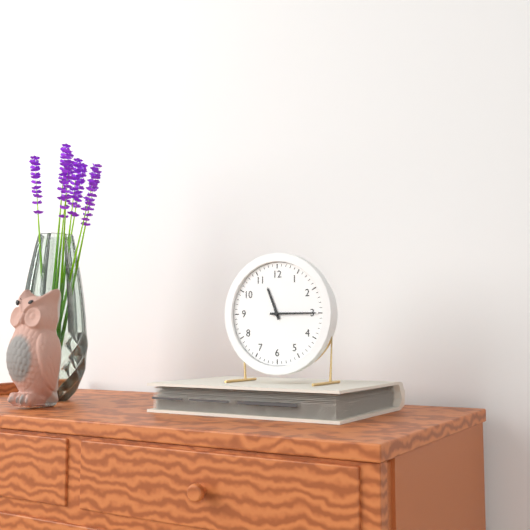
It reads {"hour": 11, "minute": 15}
